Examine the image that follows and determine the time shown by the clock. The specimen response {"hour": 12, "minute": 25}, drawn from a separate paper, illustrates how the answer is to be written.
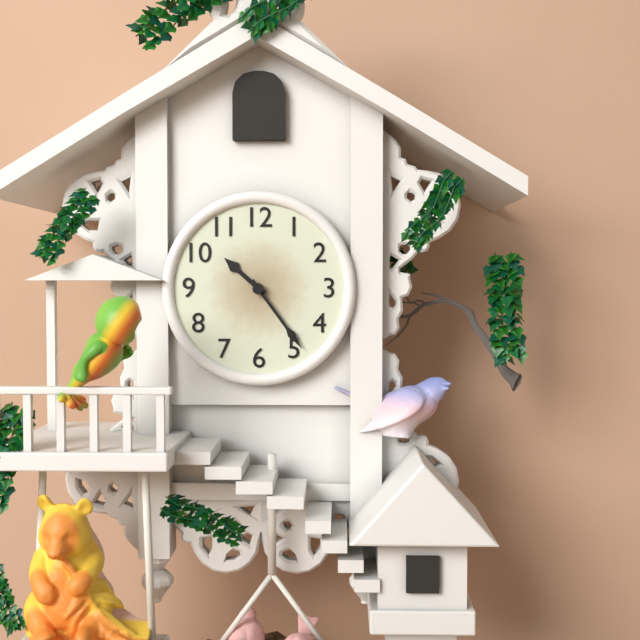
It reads {"hour": 10, "minute": 24}
